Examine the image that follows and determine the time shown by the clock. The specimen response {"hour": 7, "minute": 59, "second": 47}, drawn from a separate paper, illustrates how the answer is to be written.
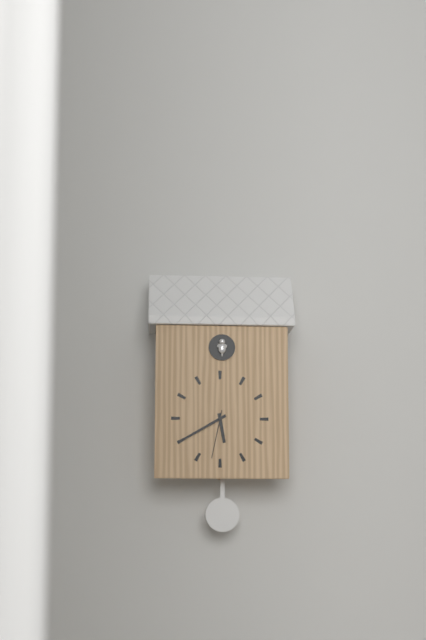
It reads {"hour": 5, "minute": 40, "second": 32}
